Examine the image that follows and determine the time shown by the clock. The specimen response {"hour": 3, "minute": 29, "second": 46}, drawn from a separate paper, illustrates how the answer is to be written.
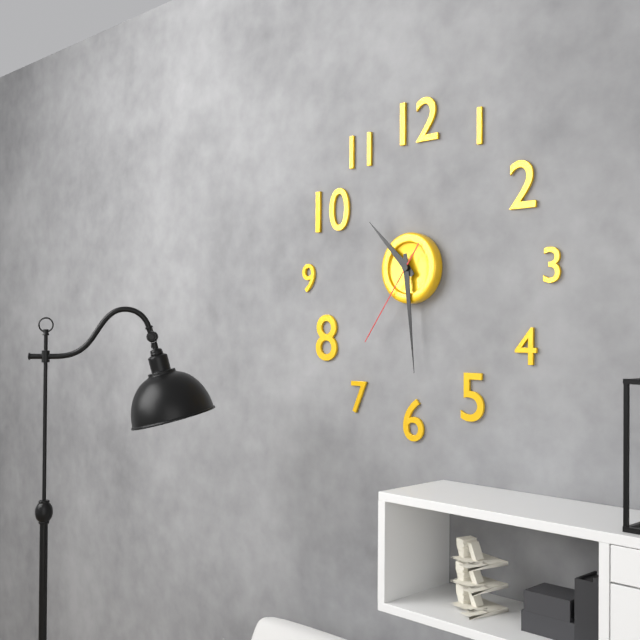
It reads {"hour": 10, "minute": 29, "second": 36}
